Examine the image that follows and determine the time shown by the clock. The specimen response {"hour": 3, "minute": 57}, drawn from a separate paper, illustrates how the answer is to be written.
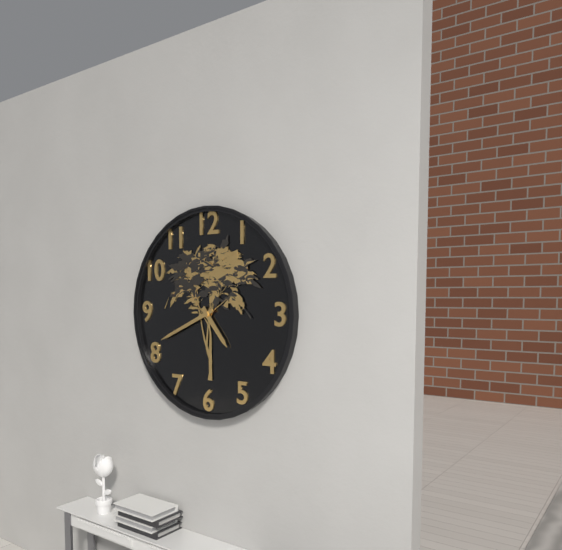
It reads {"hour": 4, "minute": 41}
